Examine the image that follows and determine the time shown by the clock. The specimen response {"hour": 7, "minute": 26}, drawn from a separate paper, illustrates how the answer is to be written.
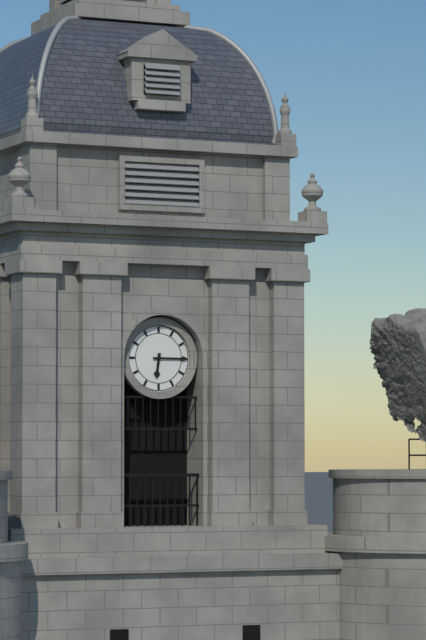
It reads {"hour": 6, "minute": 15}
